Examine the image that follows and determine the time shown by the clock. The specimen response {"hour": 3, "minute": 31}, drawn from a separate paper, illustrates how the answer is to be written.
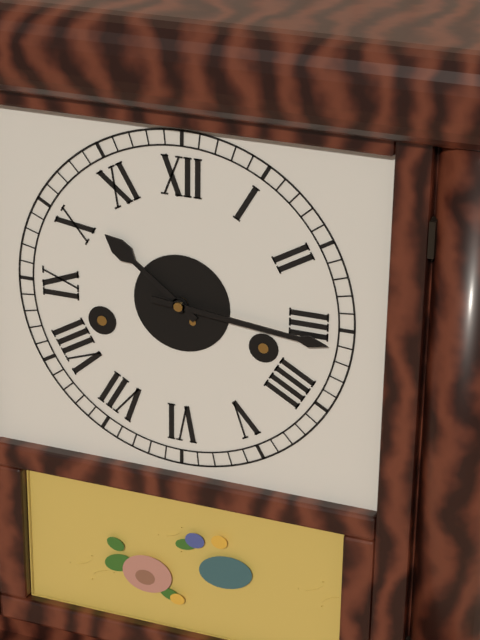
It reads {"hour": 10, "minute": 16}
